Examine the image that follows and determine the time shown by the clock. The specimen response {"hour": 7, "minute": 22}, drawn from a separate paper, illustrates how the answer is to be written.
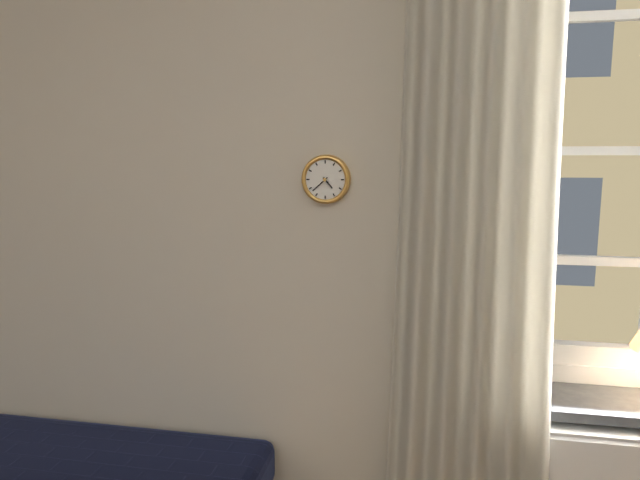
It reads {"hour": 4, "minute": 38}
